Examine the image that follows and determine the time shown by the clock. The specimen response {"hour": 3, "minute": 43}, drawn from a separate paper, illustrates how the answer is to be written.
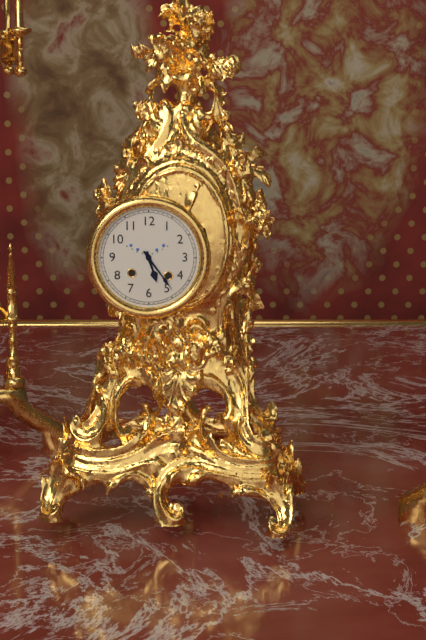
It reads {"hour": 5, "minute": 24}
